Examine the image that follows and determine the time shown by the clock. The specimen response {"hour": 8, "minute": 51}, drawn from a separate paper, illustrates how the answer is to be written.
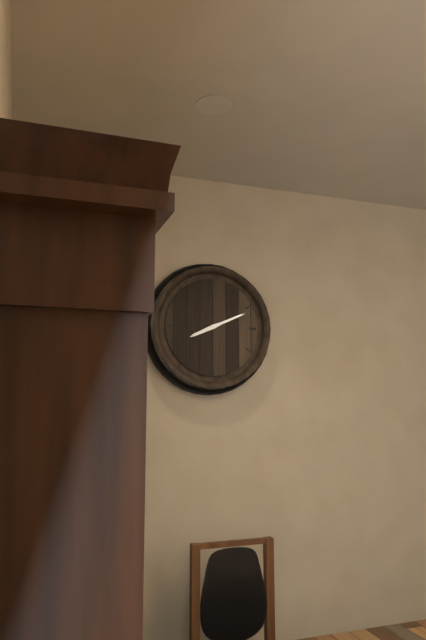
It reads {"hour": 8, "minute": 11}
